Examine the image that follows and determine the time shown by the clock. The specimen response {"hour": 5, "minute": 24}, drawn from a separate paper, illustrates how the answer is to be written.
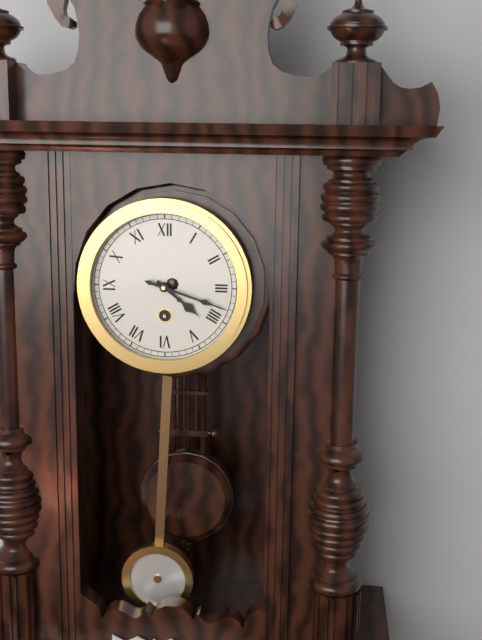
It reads {"hour": 4, "minute": 18}
